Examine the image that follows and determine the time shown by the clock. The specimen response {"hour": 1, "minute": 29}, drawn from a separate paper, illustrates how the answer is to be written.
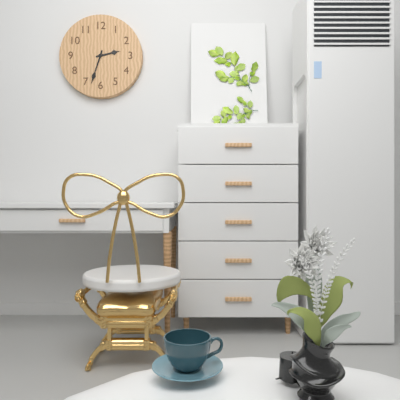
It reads {"hour": 2, "minute": 33}
